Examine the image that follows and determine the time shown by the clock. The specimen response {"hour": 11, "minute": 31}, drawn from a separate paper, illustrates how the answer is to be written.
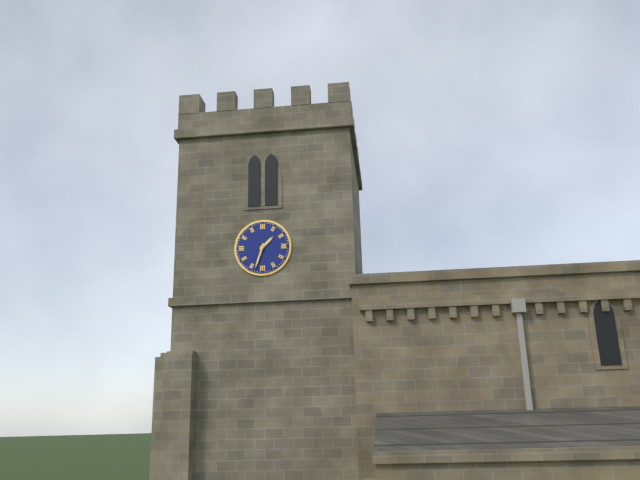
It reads {"hour": 1, "minute": 33}
